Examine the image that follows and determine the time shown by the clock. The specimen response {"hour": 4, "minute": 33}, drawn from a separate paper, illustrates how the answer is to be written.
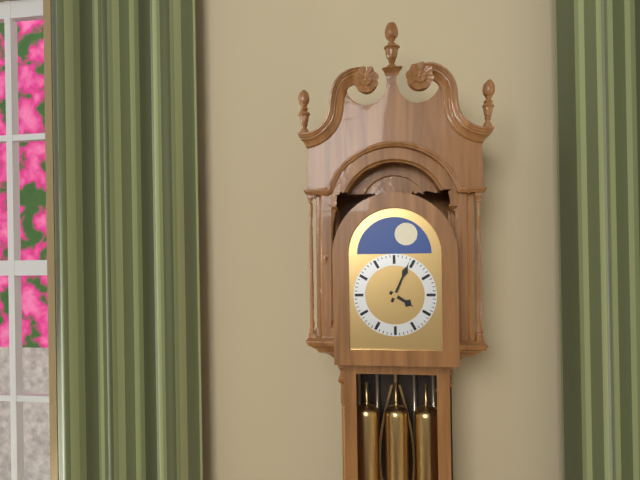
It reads {"hour": 4, "minute": 4}
